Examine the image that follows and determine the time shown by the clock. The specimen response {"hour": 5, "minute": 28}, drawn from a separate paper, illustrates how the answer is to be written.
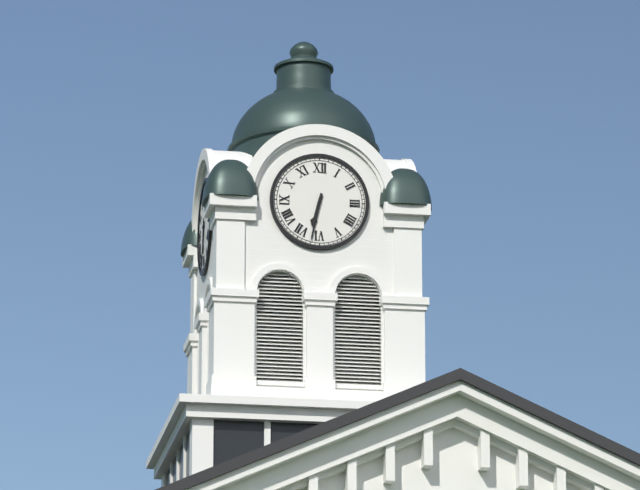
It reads {"hour": 6, "minute": 32}
